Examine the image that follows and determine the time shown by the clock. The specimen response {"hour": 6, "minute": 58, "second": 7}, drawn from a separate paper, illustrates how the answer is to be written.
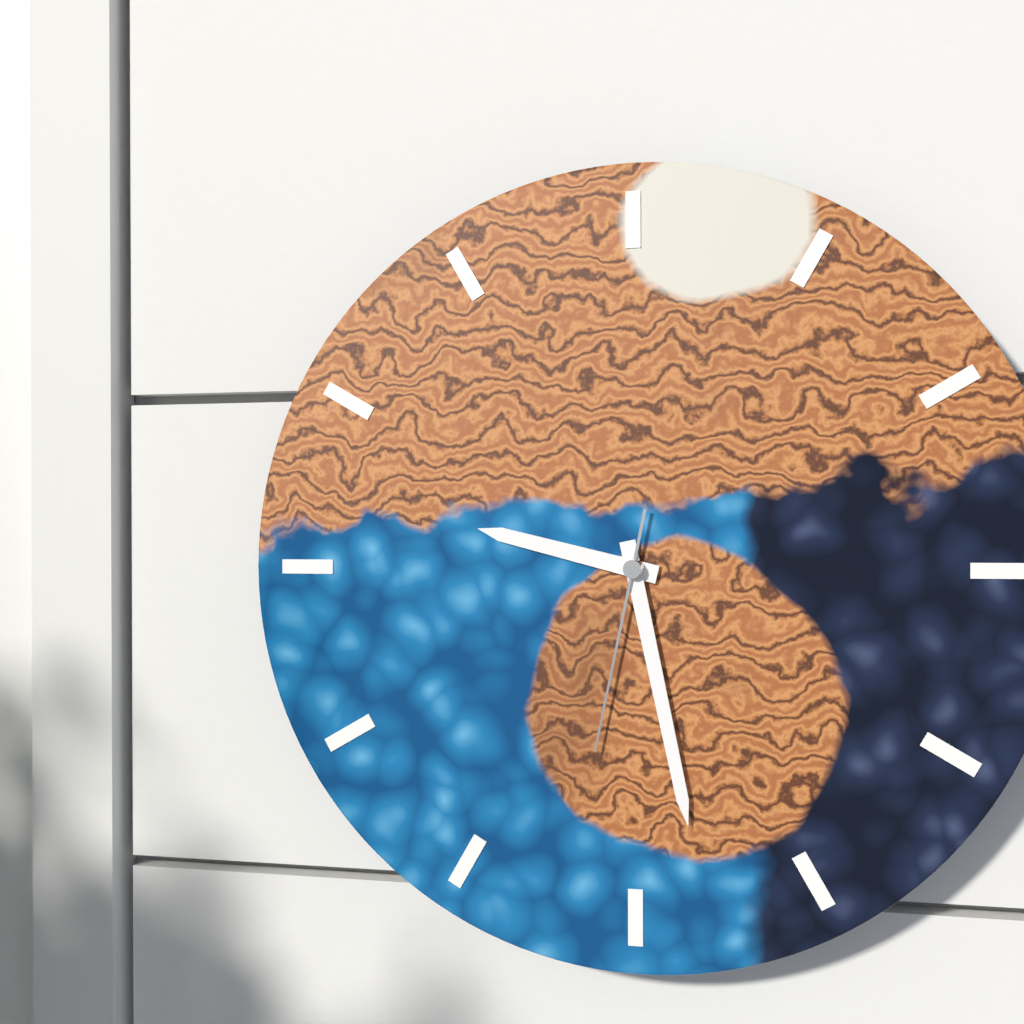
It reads {"hour": 9, "minute": 28, "second": 32}
